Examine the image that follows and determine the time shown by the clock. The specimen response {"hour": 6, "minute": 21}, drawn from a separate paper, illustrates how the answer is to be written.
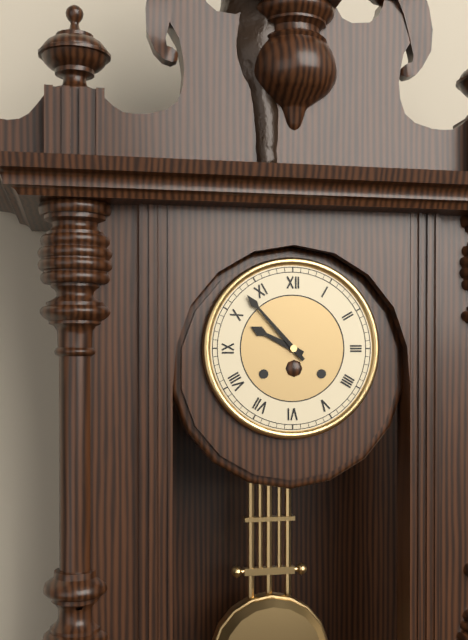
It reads {"hour": 9, "minute": 53}
